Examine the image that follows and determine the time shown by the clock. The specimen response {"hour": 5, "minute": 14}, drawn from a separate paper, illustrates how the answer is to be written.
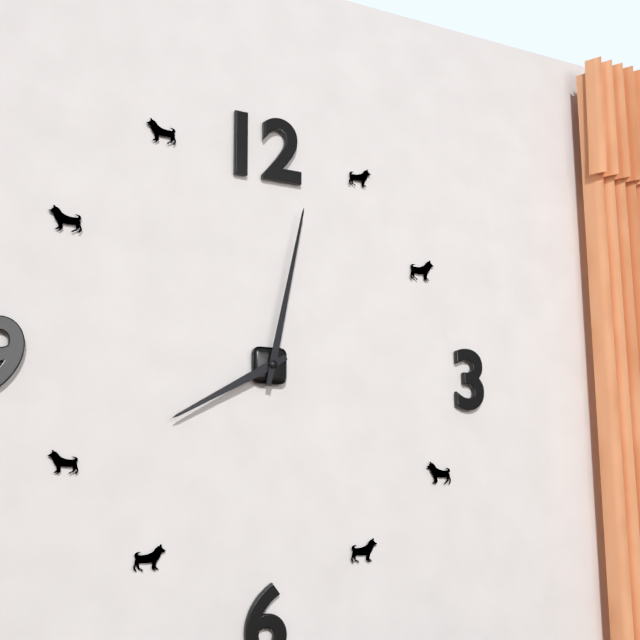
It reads {"hour": 8, "minute": 2}
